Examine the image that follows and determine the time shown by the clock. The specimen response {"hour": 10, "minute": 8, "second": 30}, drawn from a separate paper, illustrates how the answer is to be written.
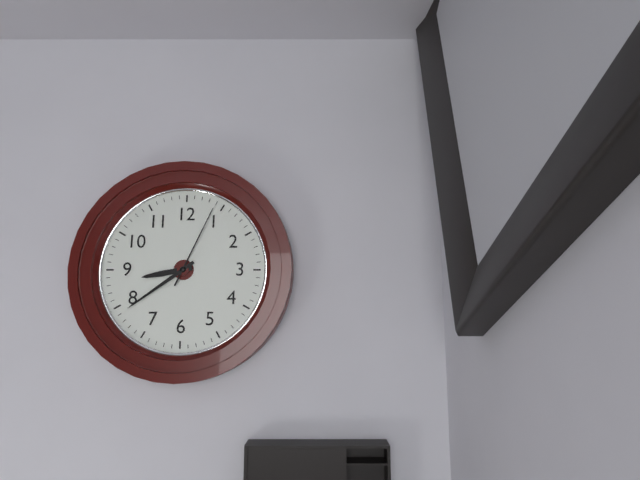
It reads {"hour": 8, "minute": 39, "second": 4}
